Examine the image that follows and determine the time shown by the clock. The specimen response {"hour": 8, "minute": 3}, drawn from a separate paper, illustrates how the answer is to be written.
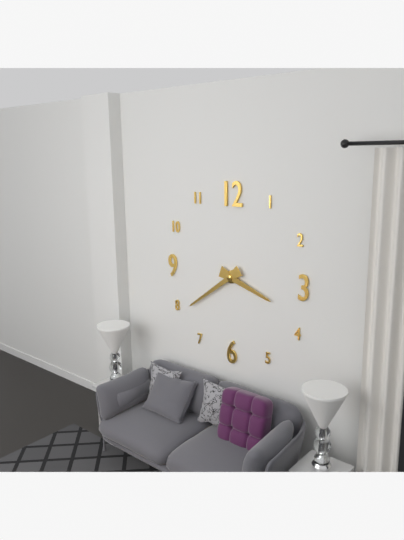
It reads {"hour": 3, "minute": 39}
